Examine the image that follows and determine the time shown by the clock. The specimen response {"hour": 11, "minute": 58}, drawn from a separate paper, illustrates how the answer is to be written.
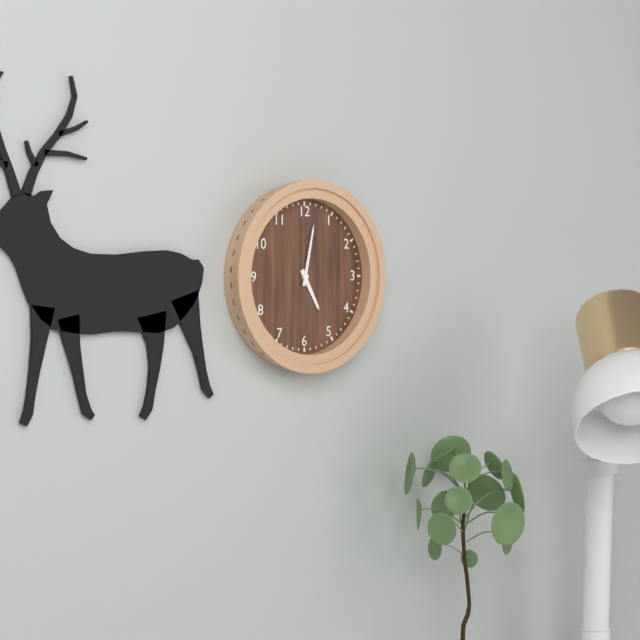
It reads {"hour": 5, "minute": 2}
